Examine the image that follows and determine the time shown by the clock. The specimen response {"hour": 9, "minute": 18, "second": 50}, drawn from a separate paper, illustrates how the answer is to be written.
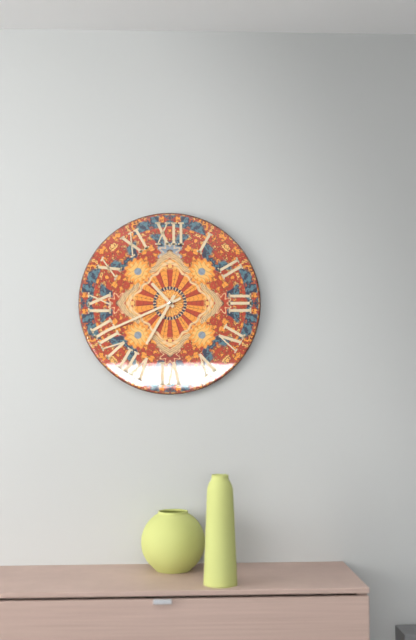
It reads {"hour": 10, "minute": 35, "second": 41}
